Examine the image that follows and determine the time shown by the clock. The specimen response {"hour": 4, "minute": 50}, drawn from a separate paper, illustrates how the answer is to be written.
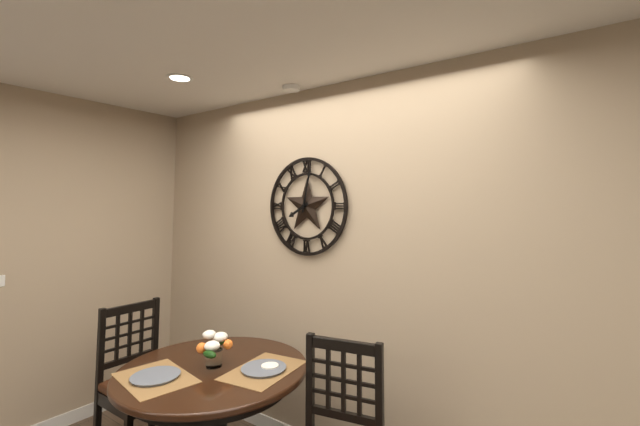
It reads {"hour": 8, "minute": 2}
